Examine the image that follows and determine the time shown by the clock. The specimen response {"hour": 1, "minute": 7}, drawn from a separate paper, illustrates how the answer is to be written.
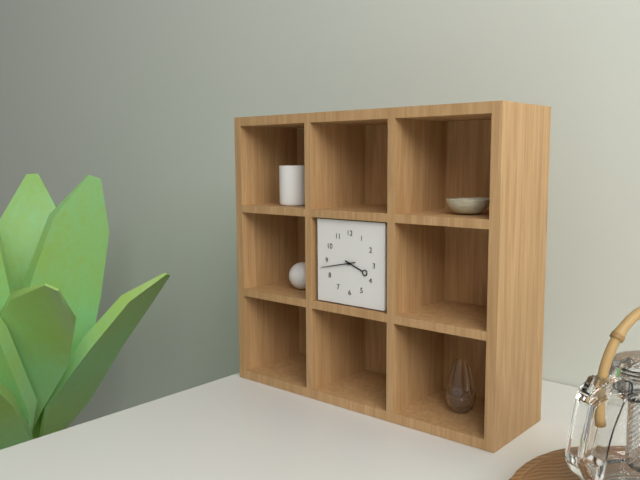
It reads {"hour": 3, "minute": 43}
